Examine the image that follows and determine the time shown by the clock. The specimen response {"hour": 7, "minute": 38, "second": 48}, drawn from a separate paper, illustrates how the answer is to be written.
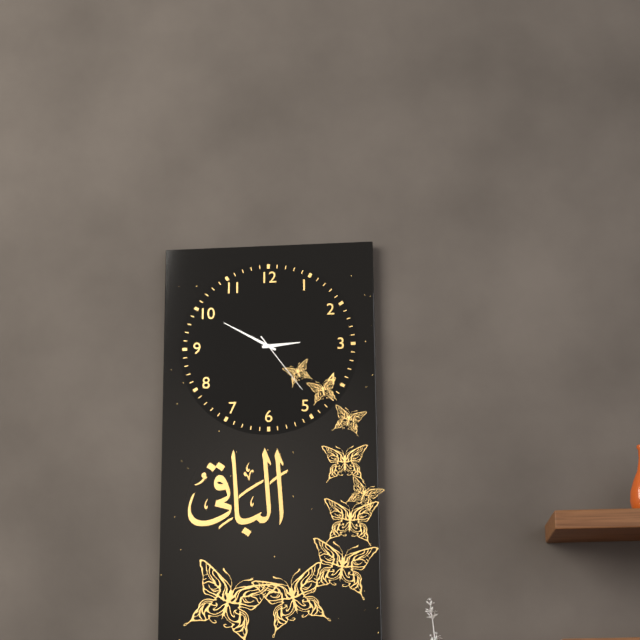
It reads {"hour": 2, "minute": 50, "second": 24}
